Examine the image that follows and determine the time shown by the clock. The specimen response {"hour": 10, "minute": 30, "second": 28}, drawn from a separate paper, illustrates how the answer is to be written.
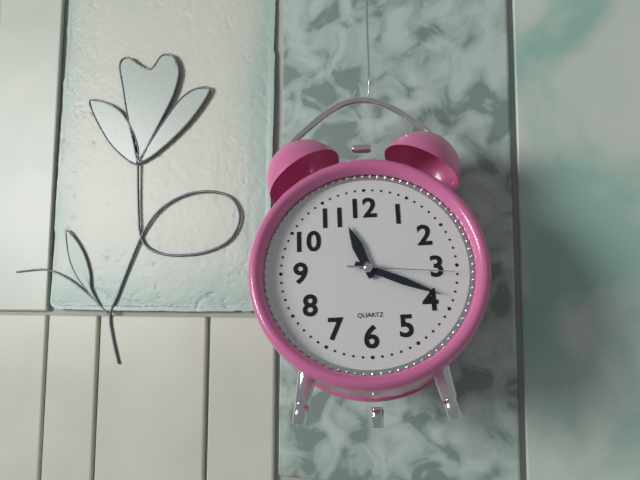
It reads {"hour": 11, "minute": 19, "second": 16}
